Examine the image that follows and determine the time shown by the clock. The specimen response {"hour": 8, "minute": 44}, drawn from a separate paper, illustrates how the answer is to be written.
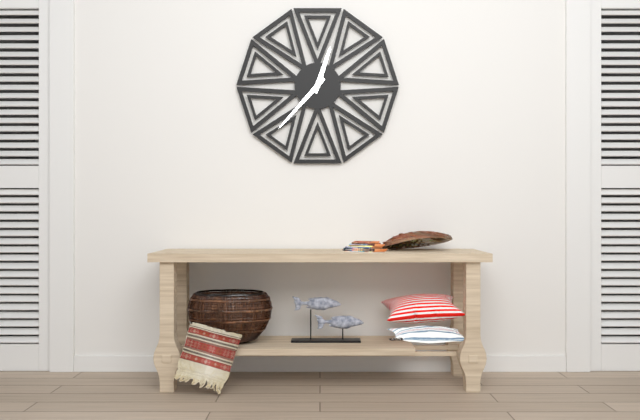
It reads {"hour": 12, "minute": 37}
